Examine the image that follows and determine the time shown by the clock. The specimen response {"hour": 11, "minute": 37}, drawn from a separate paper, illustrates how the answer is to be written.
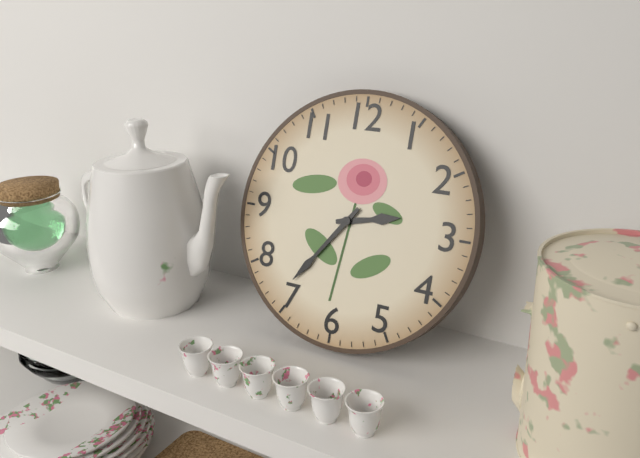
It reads {"hour": 2, "minute": 36}
